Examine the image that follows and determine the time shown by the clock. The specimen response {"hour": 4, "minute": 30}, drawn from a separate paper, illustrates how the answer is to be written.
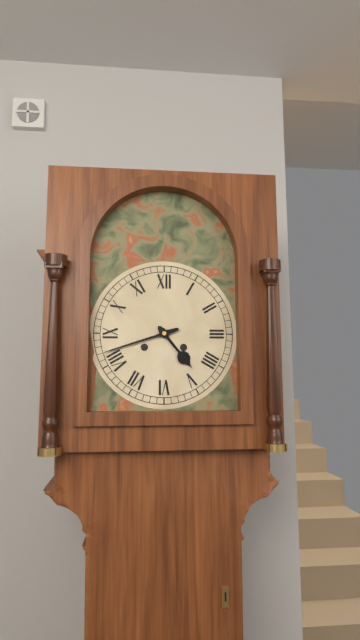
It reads {"hour": 4, "minute": 42}
